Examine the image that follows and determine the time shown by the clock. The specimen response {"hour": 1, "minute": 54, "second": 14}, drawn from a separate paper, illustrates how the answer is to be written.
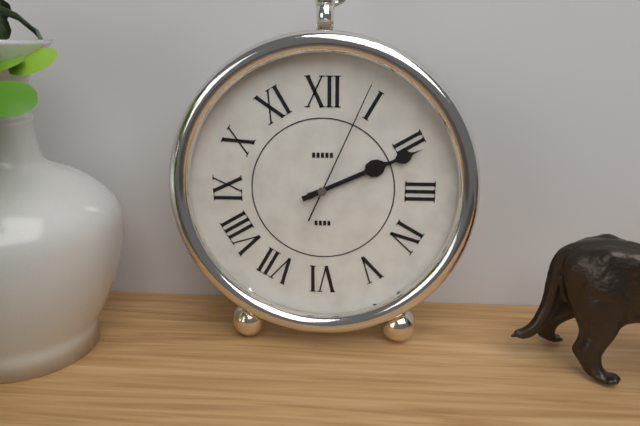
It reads {"hour": 2, "minute": 11, "second": 4}
